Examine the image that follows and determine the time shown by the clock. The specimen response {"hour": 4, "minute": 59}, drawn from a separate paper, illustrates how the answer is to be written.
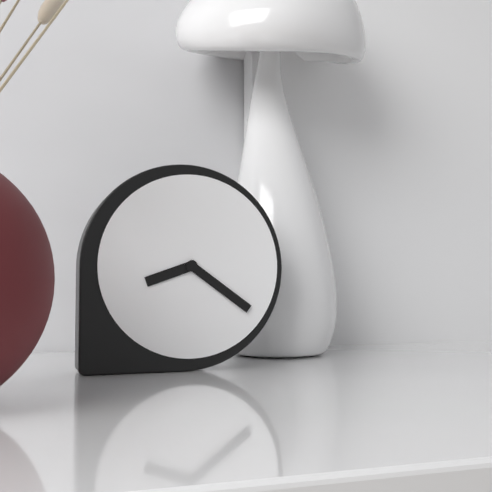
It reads {"hour": 8, "minute": 21}
